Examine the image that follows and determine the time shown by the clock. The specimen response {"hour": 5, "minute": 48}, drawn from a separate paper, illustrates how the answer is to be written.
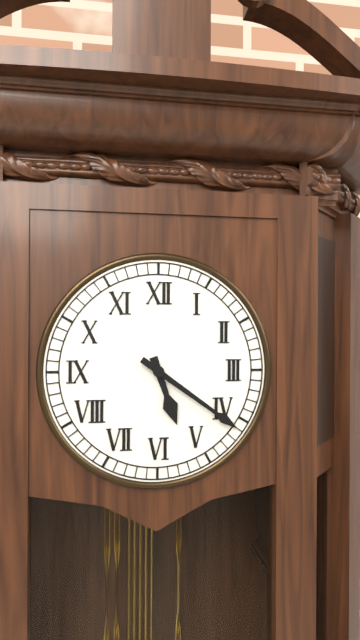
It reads {"hour": 5, "minute": 21}
